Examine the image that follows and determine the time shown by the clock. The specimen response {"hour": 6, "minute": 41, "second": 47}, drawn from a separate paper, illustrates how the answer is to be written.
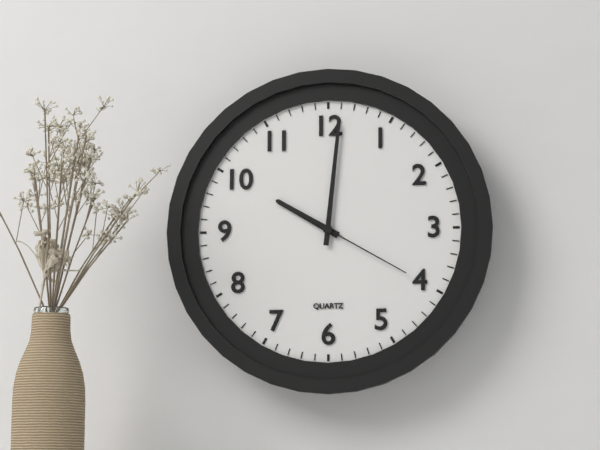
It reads {"hour": 10, "minute": 1, "second": 20}
